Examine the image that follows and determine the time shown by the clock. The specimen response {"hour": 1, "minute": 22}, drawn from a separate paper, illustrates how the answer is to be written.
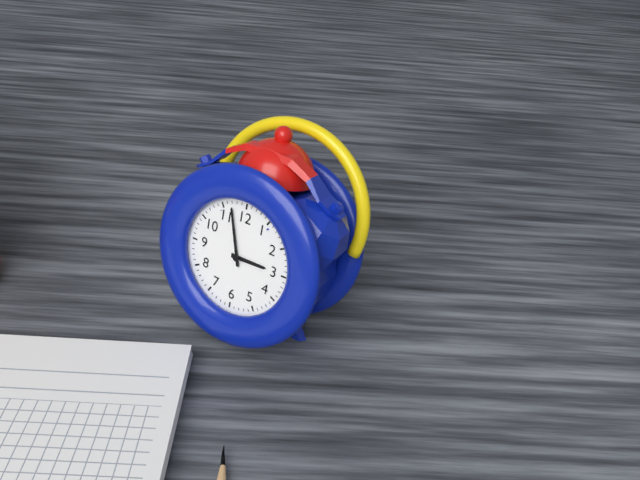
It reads {"hour": 2, "minute": 57}
